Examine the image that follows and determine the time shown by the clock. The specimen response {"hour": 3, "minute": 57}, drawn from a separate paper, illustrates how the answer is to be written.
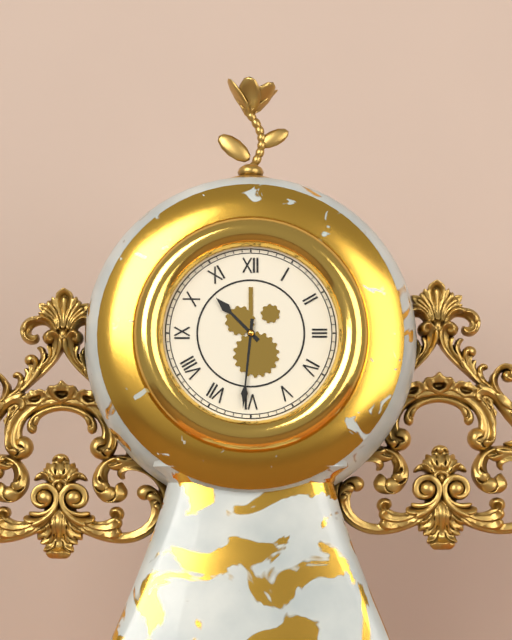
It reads {"hour": 10, "minute": 31}
